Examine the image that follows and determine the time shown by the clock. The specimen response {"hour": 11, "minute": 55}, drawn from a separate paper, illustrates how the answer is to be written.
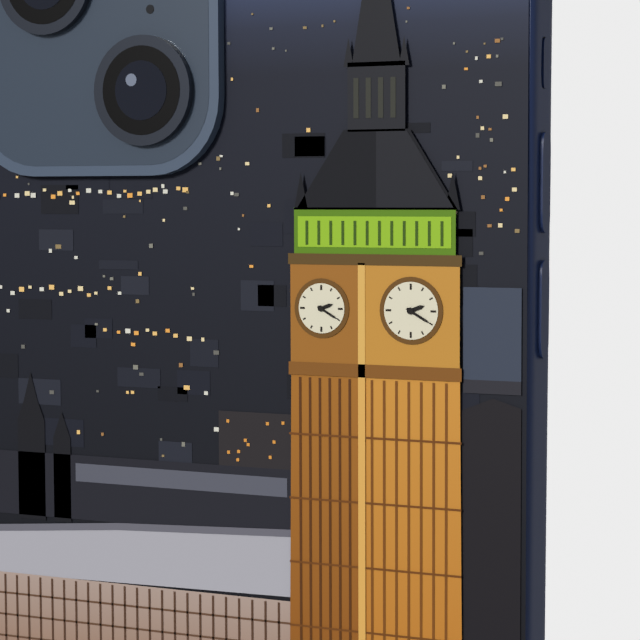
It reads {"hour": 2, "minute": 20}
